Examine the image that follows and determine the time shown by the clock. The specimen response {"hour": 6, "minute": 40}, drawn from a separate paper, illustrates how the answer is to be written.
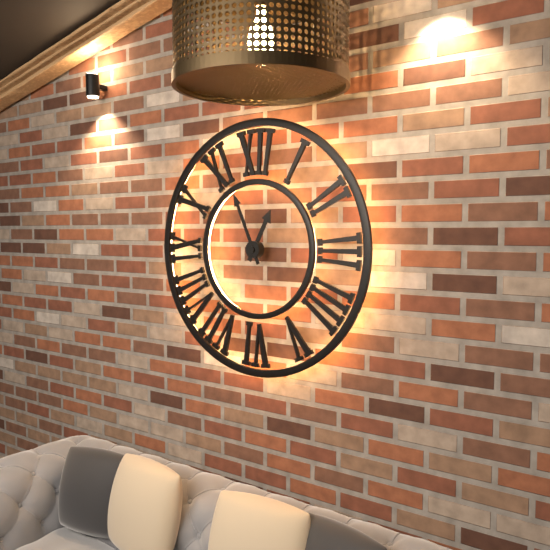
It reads {"hour": 12, "minute": 56}
